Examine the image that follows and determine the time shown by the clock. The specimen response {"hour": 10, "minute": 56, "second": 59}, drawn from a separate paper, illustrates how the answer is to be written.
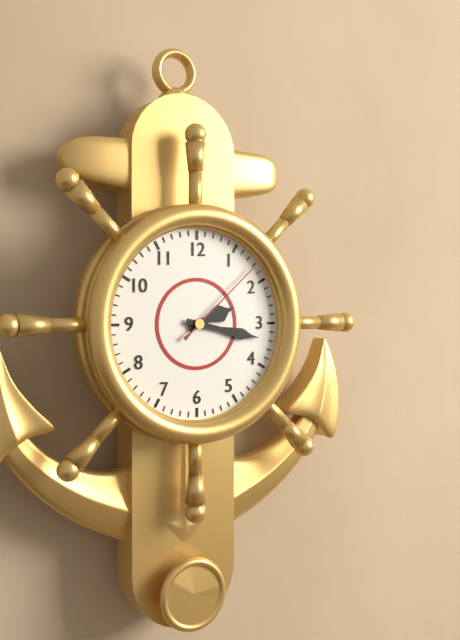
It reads {"hour": 2, "minute": 17, "second": 8}
